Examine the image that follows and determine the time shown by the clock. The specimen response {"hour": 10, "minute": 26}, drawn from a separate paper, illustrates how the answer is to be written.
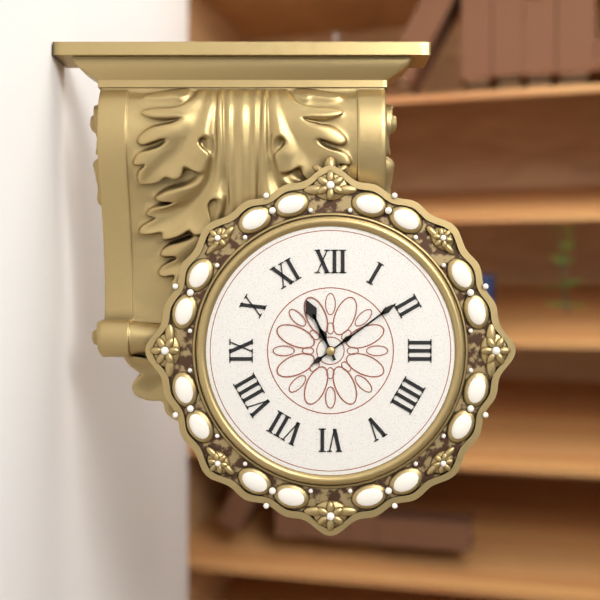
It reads {"hour": 11, "minute": 9}
